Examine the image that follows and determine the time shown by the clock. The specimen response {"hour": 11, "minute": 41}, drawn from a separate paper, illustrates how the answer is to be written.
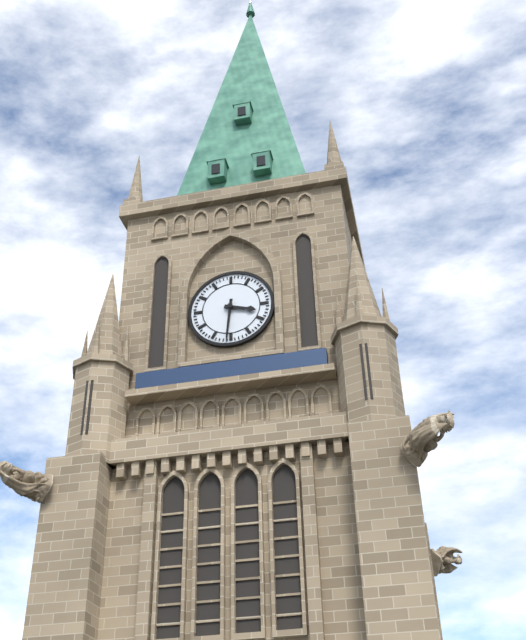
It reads {"hour": 3, "minute": 31}
